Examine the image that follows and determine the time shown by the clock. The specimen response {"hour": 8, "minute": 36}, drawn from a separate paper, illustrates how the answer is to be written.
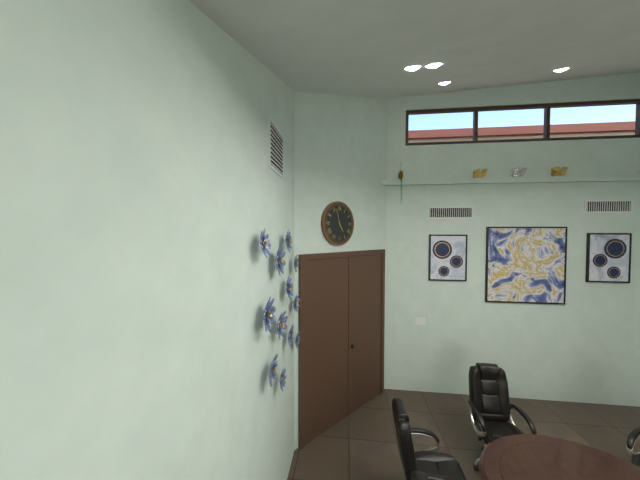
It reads {"hour": 4, "minute": 57}
